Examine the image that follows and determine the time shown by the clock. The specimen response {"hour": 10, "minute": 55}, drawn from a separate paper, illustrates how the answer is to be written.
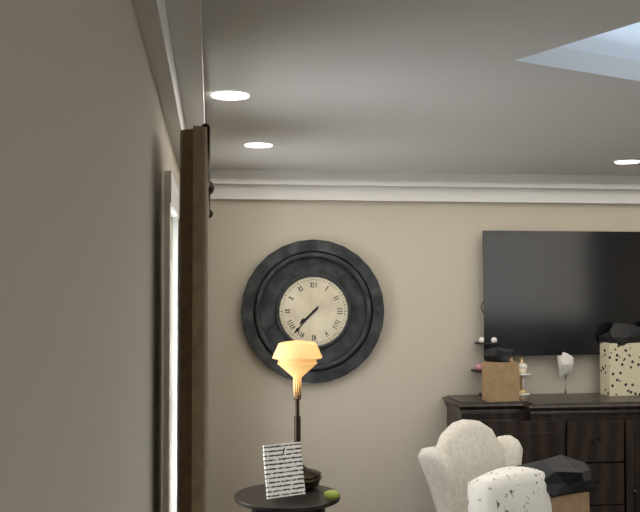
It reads {"hour": 7, "minute": 37}
